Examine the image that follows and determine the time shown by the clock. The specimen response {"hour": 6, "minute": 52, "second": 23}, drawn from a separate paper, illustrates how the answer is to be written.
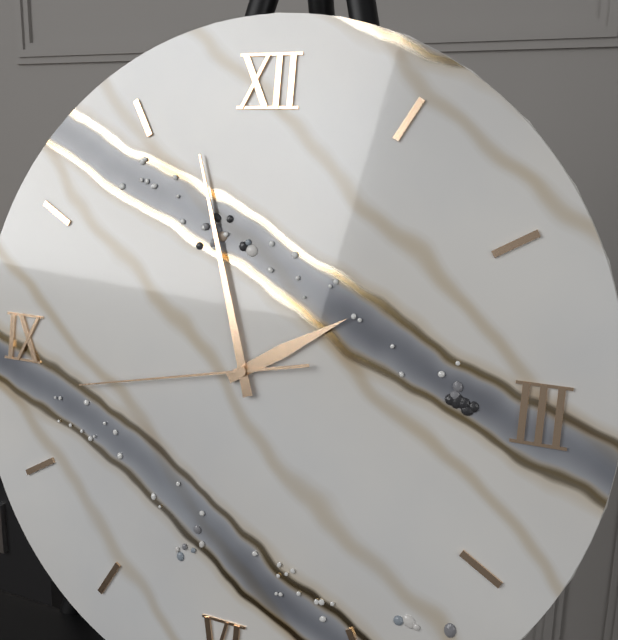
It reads {"hour": 1, "minute": 57, "second": 43}
